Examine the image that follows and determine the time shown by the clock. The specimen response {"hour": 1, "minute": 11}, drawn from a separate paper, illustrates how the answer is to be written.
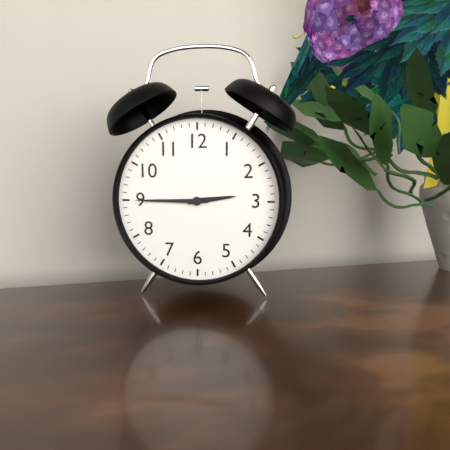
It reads {"hour": 2, "minute": 45}
